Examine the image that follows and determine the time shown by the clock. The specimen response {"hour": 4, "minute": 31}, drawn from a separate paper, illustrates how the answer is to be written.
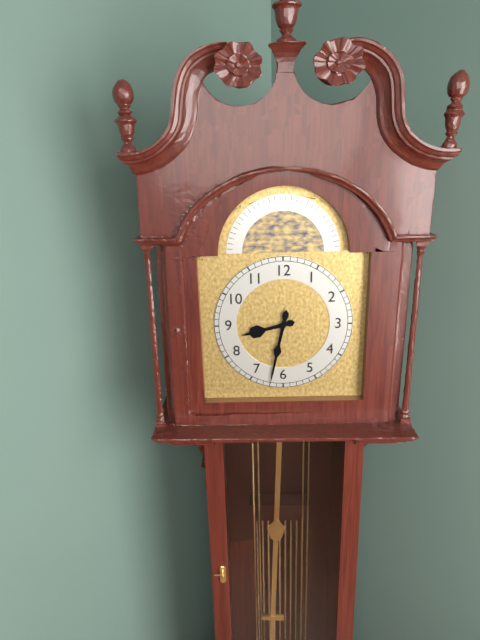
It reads {"hour": 8, "minute": 32}
